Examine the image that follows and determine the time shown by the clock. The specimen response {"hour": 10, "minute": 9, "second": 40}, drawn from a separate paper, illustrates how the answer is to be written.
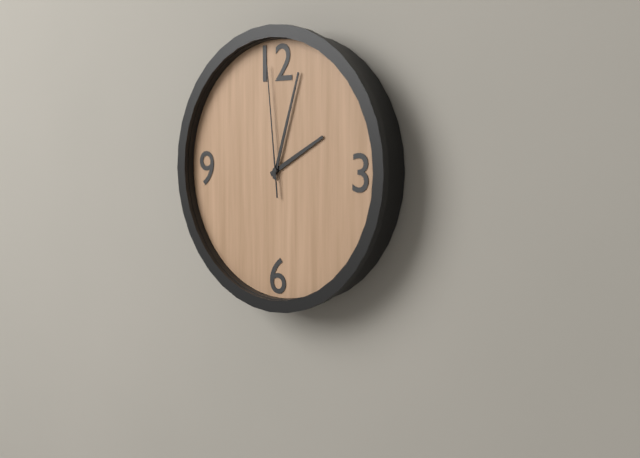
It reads {"hour": 2, "minute": 3, "second": 59}
